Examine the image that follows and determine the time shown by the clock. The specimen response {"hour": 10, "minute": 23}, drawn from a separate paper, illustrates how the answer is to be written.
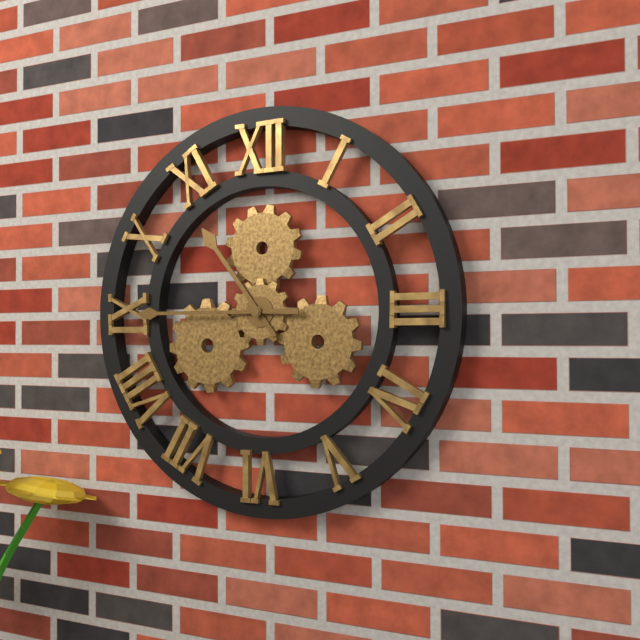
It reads {"hour": 10, "minute": 45}
